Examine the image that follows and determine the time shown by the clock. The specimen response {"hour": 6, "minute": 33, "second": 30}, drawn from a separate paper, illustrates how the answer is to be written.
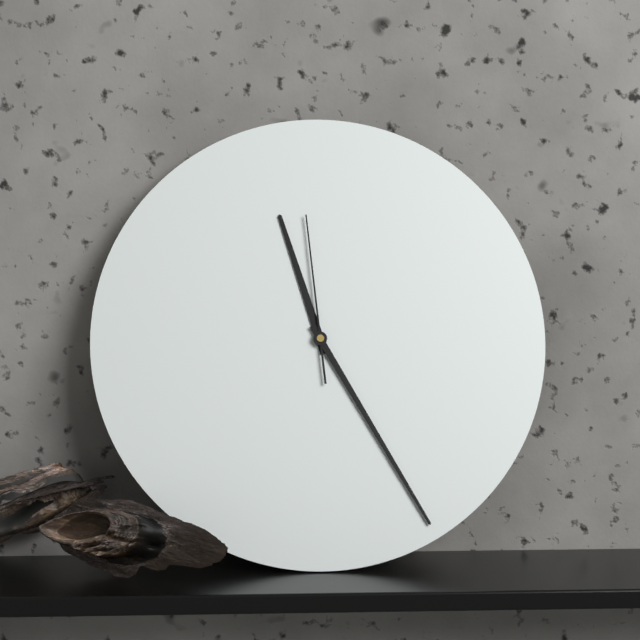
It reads {"hour": 11, "minute": 25, "second": 59}
